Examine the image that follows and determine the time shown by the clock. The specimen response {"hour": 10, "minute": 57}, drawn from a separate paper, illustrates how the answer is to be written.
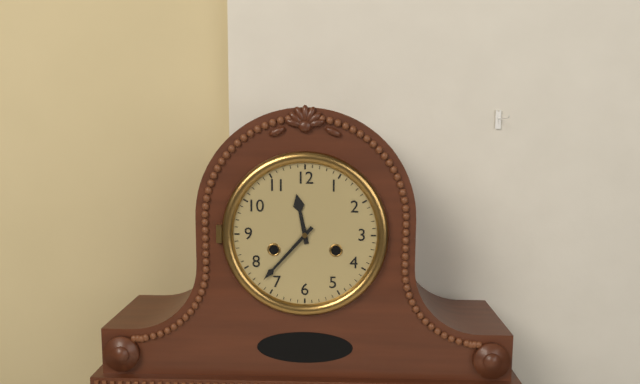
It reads {"hour": 11, "minute": 37}
